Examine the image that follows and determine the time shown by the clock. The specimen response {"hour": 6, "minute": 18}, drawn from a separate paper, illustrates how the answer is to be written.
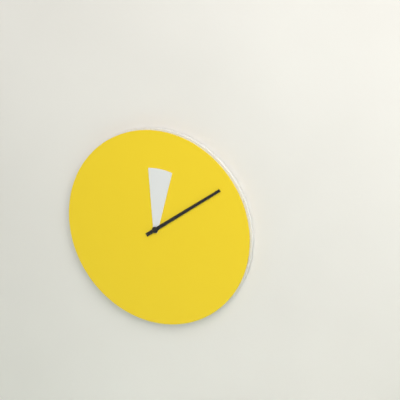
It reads {"hour": 12, "minute": 9}
